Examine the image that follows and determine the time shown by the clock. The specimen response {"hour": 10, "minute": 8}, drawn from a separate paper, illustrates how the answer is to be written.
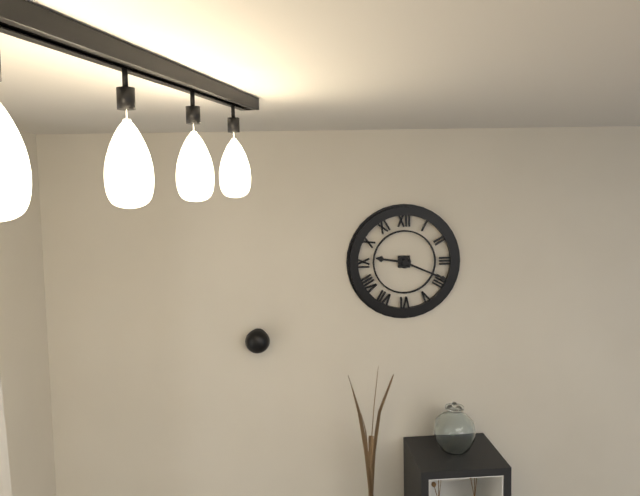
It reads {"hour": 9, "minute": 19}
